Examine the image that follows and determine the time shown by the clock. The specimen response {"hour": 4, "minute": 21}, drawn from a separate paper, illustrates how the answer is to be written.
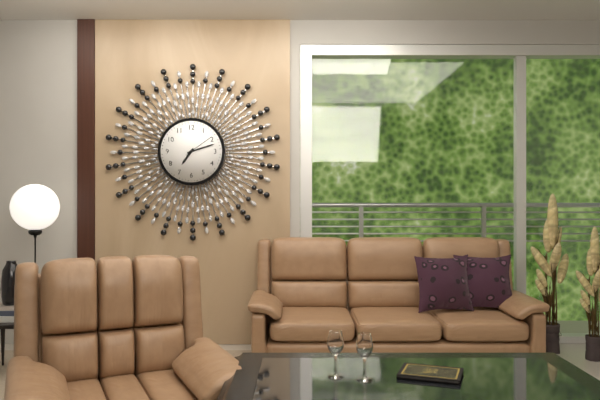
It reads {"hour": 7, "minute": 12}
